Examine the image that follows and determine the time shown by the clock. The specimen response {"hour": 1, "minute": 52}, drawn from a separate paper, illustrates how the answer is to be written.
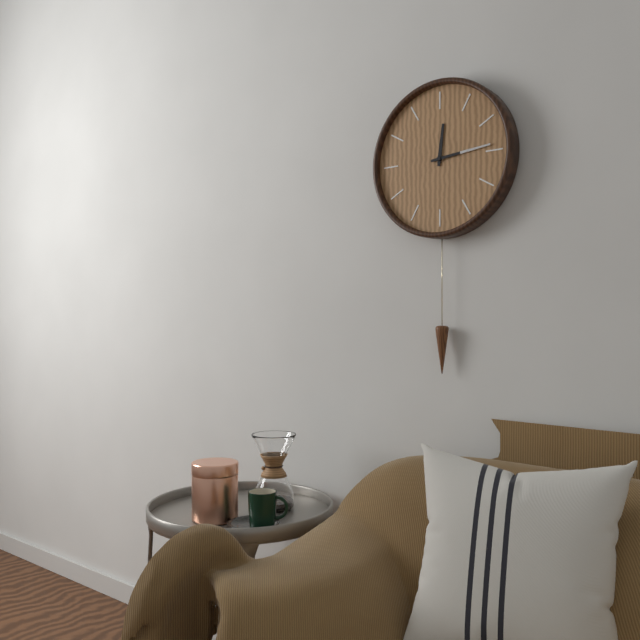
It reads {"hour": 12, "minute": 14}
